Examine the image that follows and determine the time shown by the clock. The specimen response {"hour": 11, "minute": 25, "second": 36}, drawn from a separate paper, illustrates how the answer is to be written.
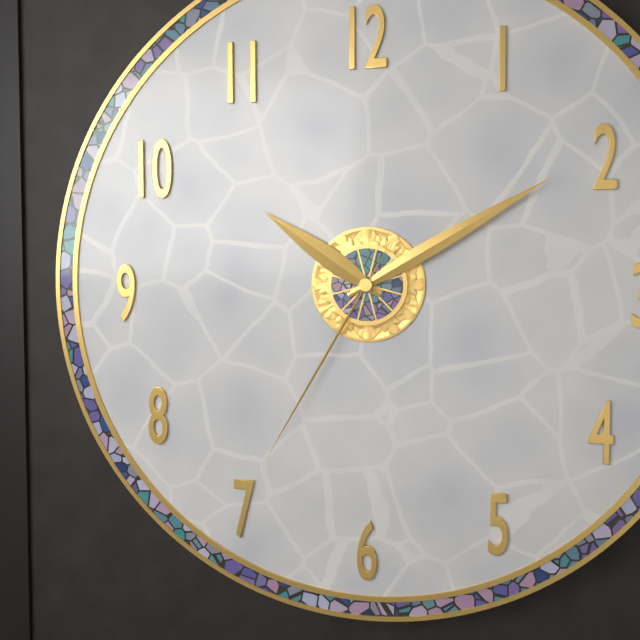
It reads {"hour": 10, "minute": 10, "second": 35}
